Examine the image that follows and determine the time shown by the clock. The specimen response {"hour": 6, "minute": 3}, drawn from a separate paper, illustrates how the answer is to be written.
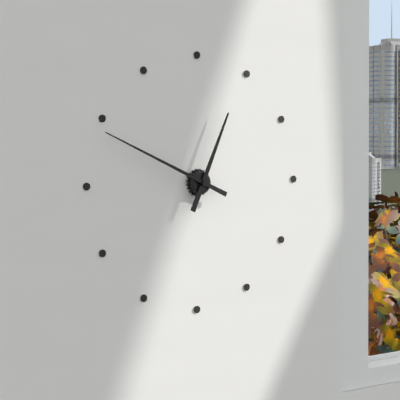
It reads {"hour": 12, "minute": 49}
